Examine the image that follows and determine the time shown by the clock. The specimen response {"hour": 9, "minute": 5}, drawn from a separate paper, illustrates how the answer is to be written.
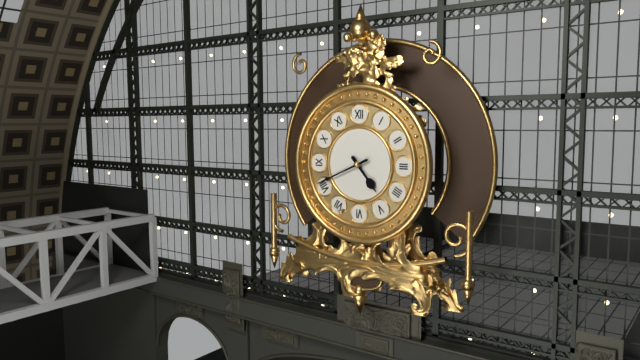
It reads {"hour": 4, "minute": 41}
